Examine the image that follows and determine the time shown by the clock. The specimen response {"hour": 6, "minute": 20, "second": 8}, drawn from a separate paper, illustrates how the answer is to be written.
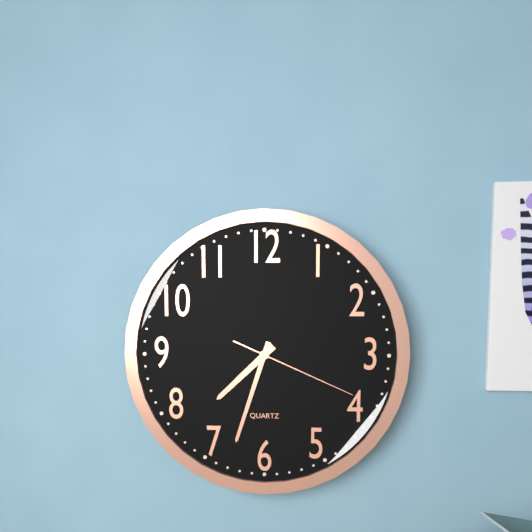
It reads {"hour": 7, "minute": 33, "second": 19}
